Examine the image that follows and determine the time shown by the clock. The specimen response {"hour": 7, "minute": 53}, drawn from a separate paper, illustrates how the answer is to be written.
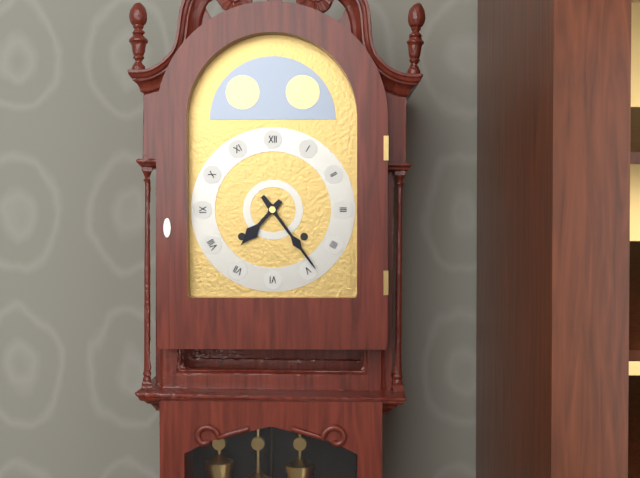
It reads {"hour": 7, "minute": 24}
